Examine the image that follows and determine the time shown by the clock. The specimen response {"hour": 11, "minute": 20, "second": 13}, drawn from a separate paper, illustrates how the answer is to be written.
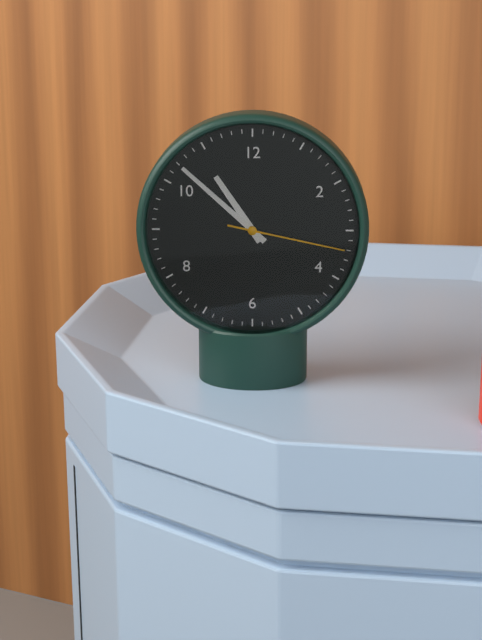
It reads {"hour": 10, "minute": 52, "second": 17}
